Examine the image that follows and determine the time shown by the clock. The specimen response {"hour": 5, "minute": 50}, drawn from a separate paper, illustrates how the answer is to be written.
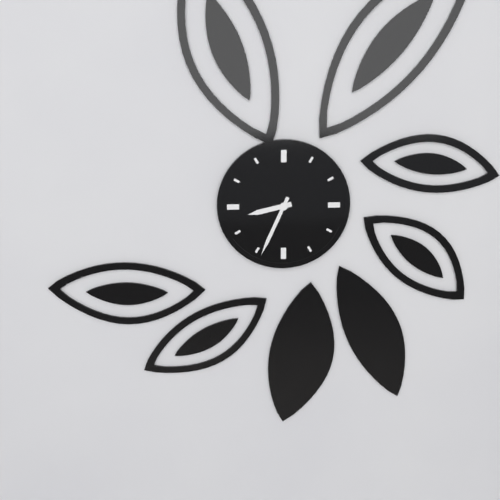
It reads {"hour": 8, "minute": 34}
